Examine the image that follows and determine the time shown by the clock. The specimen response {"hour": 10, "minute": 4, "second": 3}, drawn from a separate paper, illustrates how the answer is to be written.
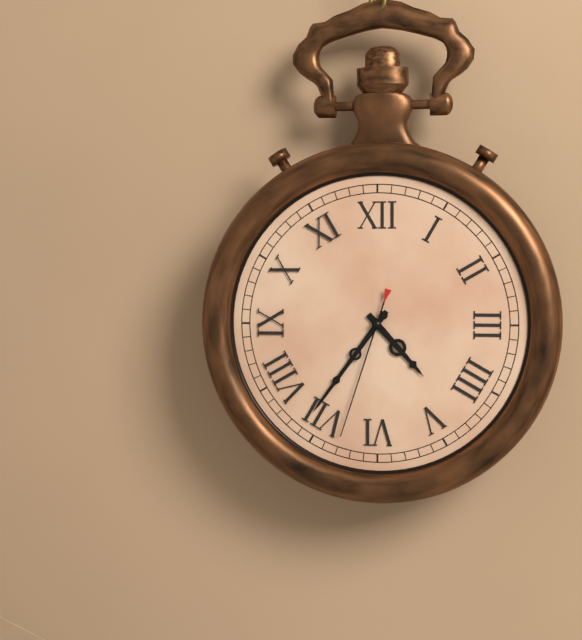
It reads {"hour": 4, "minute": 36, "second": 33}
